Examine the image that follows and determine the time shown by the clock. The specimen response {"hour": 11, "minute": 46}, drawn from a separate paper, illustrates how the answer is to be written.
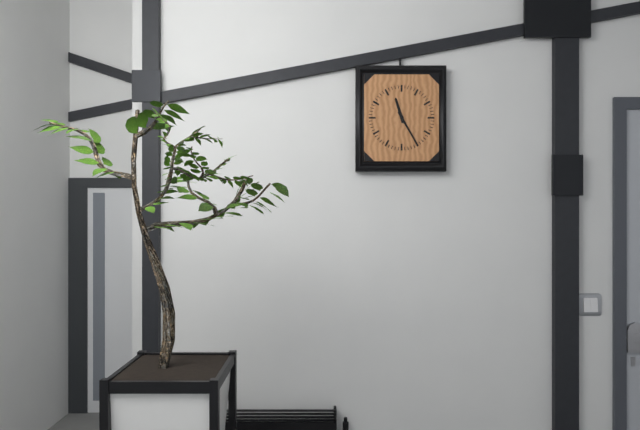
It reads {"hour": 11, "minute": 25}
